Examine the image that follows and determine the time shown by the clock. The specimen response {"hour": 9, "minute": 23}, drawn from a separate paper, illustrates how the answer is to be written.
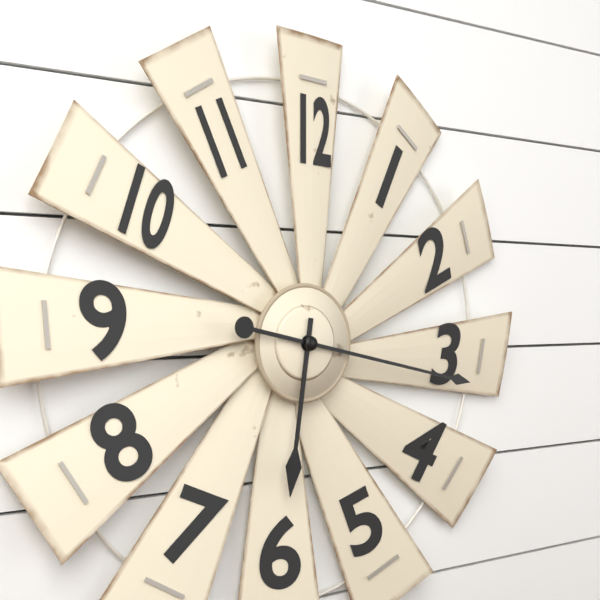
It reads {"hour": 6, "minute": 17}
